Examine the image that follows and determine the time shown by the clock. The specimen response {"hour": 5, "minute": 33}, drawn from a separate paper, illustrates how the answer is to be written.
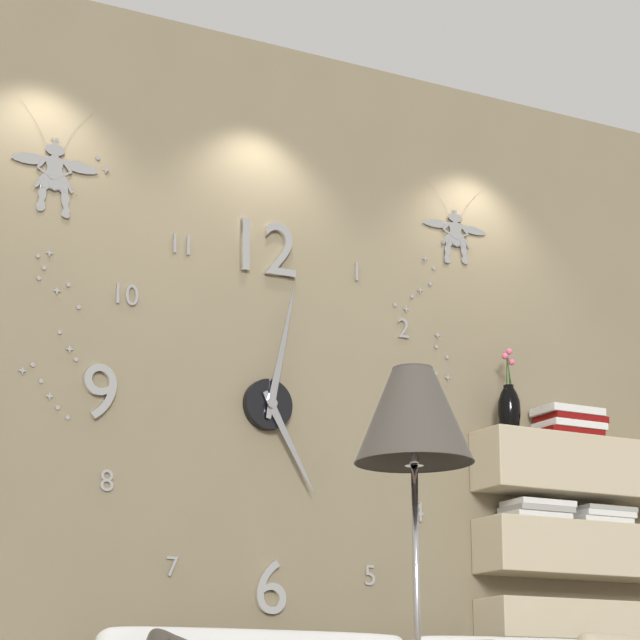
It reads {"hour": 5, "minute": 2}
